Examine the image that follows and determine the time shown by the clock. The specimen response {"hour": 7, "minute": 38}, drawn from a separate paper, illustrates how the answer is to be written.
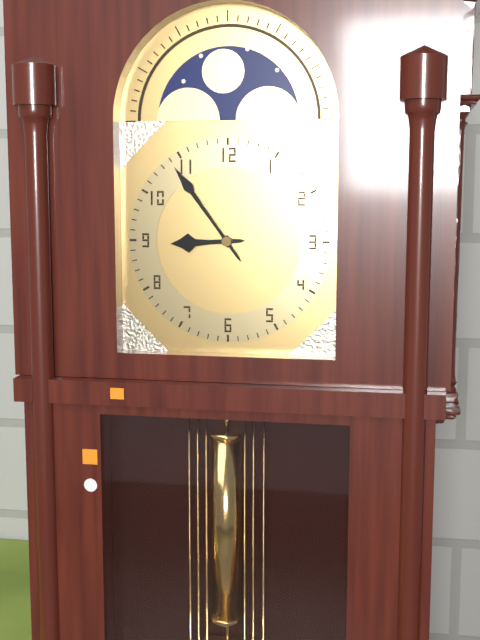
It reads {"hour": 8, "minute": 54}
